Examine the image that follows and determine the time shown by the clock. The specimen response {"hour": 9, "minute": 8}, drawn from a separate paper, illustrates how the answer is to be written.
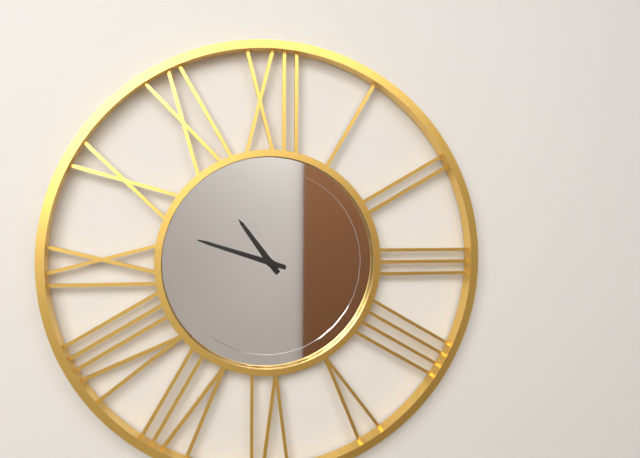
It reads {"hour": 10, "minute": 48}
